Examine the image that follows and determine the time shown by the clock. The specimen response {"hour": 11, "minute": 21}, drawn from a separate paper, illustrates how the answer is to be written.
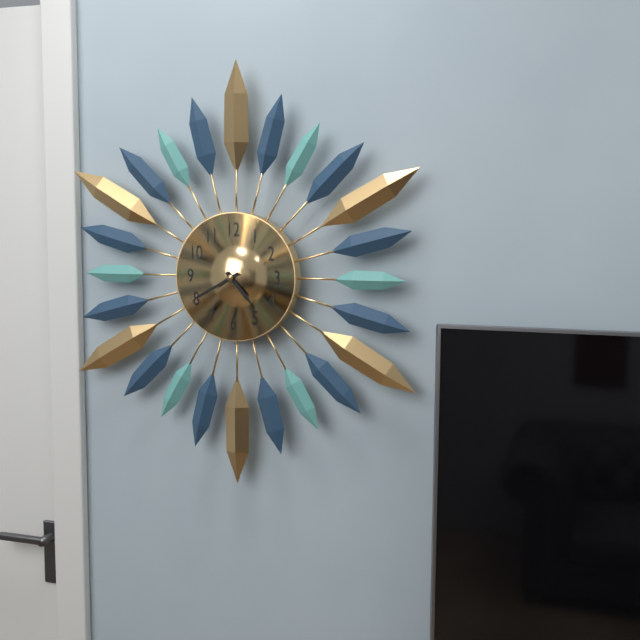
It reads {"hour": 4, "minute": 40}
